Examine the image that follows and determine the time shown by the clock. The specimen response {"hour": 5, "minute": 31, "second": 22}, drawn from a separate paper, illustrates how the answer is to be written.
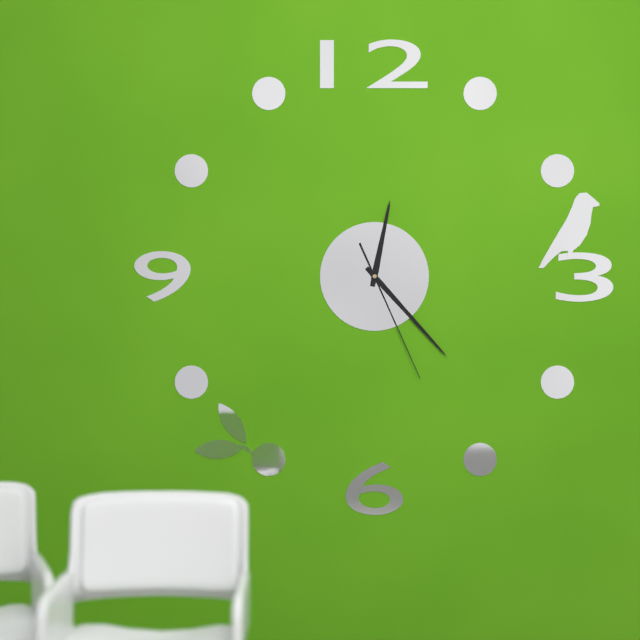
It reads {"hour": 12, "minute": 23, "second": 26}
